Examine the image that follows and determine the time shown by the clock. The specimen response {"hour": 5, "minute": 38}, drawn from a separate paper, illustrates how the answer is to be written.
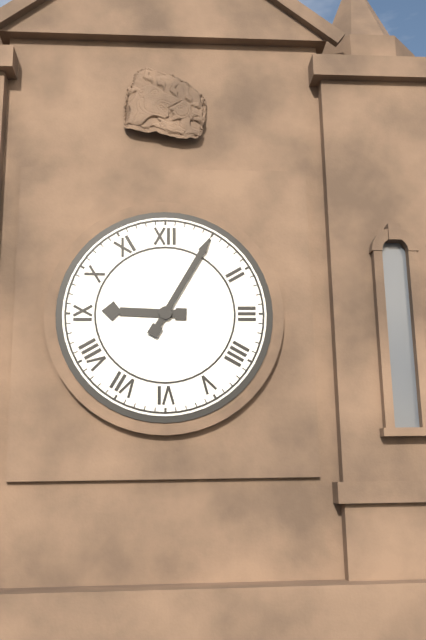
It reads {"hour": 9, "minute": 5}
